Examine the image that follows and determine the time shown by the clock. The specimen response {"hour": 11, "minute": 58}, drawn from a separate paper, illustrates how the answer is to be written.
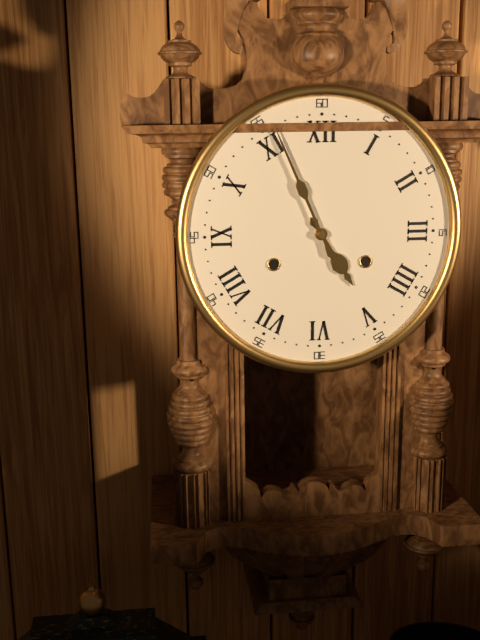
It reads {"hour": 4, "minute": 56}
